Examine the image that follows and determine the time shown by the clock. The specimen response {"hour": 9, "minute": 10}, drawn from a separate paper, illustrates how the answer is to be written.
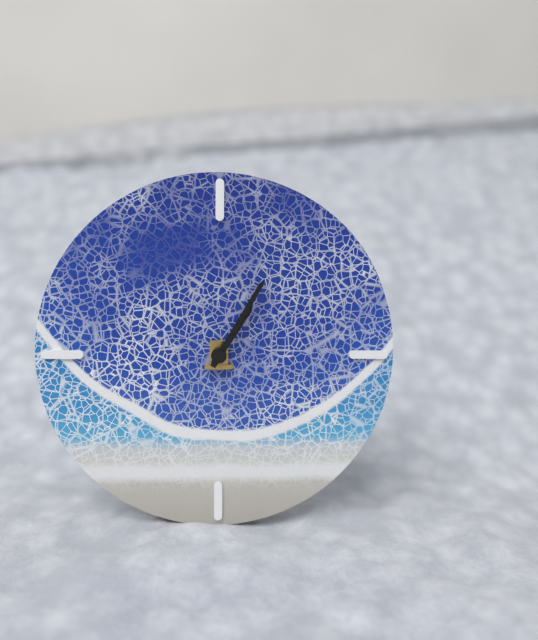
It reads {"hour": 1, "minute": 5}
